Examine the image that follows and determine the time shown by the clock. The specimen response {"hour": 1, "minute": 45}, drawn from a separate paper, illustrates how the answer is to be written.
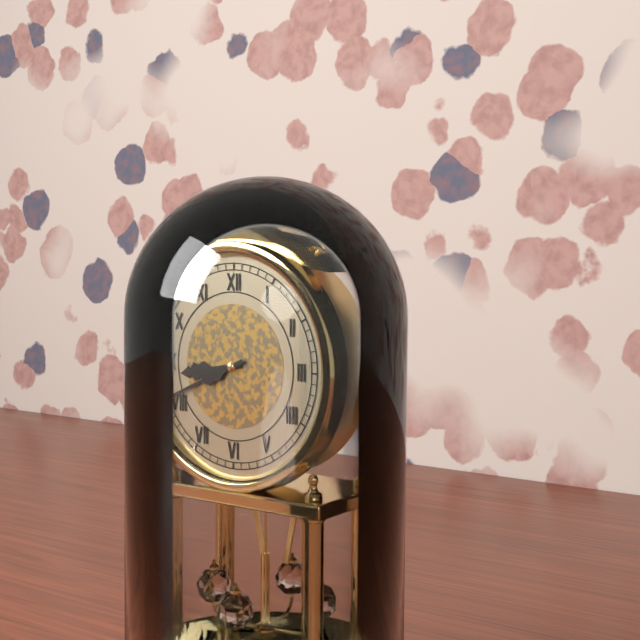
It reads {"hour": 8, "minute": 41}
